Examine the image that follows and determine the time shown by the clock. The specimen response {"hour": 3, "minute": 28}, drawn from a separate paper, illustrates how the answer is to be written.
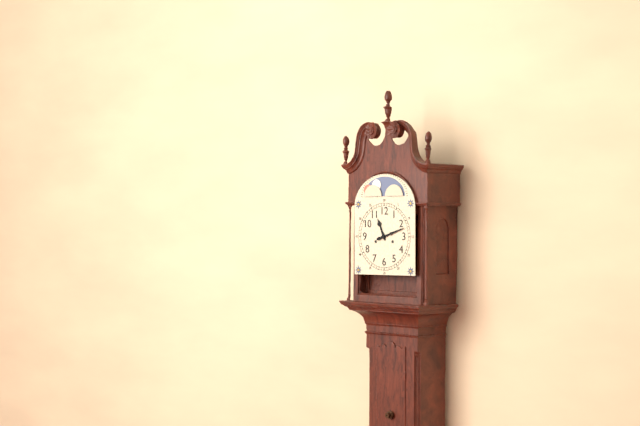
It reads {"hour": 11, "minute": 12}
